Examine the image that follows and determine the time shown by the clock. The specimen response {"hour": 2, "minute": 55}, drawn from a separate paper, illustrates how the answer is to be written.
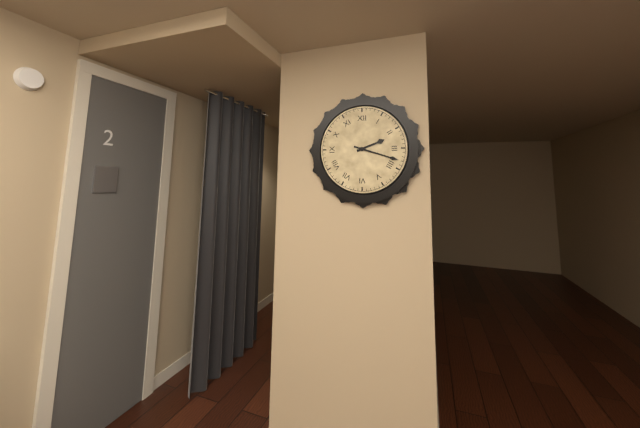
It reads {"hour": 2, "minute": 18}
